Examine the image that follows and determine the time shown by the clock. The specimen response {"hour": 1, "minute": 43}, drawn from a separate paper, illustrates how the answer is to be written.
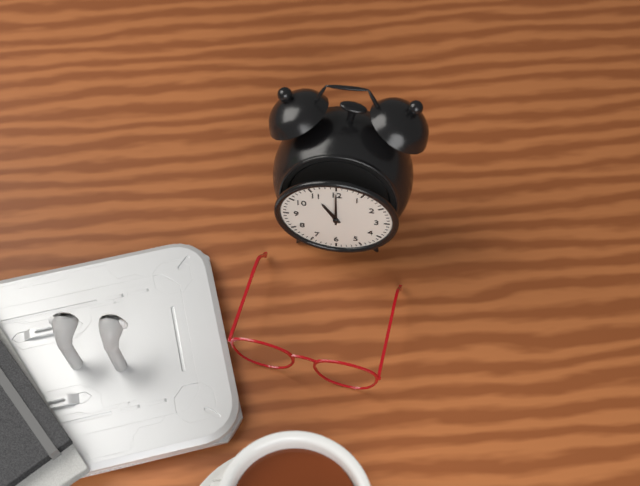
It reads {"hour": 11, "minute": 0}
